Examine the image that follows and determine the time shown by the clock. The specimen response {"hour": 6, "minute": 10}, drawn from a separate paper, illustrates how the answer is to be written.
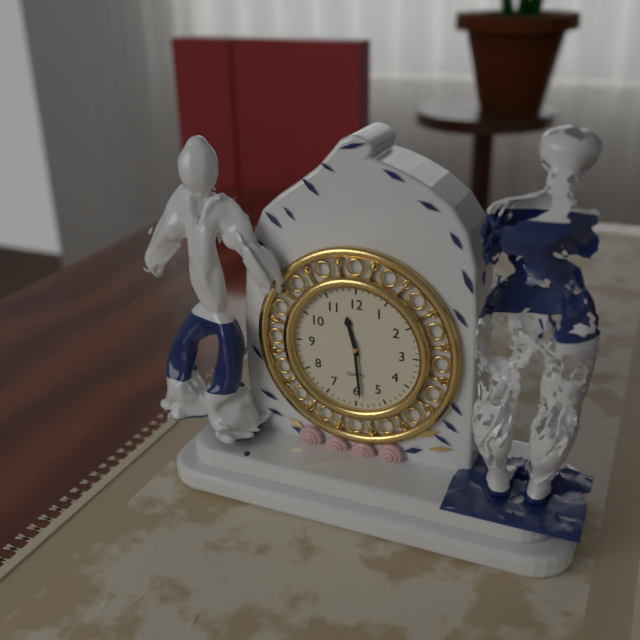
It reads {"hour": 11, "minute": 29}
